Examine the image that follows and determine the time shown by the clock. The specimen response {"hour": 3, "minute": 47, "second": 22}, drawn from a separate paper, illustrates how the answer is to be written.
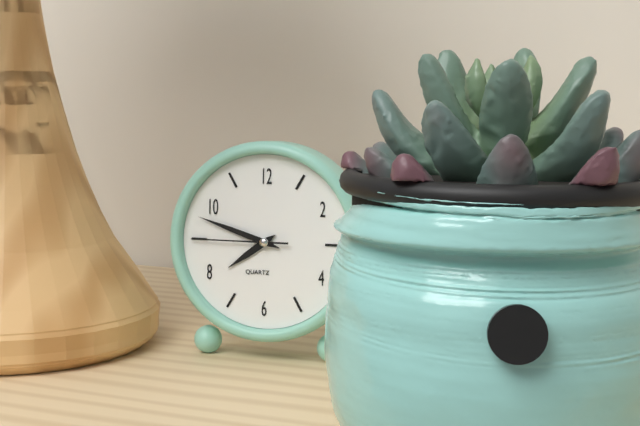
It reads {"hour": 7, "minute": 48, "second": 45}
